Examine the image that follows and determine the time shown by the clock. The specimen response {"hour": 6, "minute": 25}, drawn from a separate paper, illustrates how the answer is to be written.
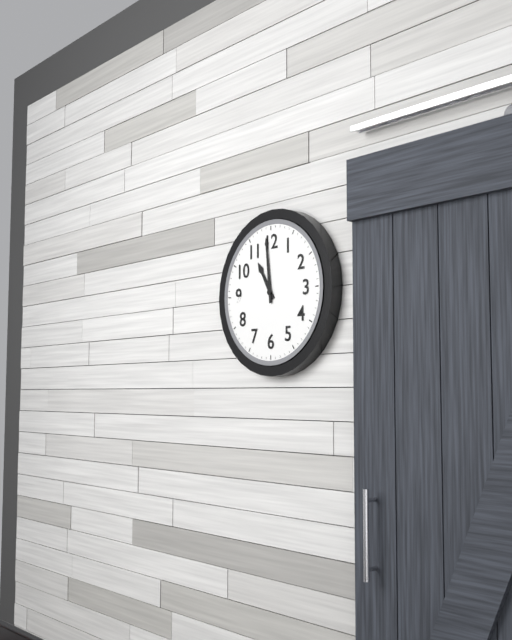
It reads {"hour": 10, "minute": 59}
